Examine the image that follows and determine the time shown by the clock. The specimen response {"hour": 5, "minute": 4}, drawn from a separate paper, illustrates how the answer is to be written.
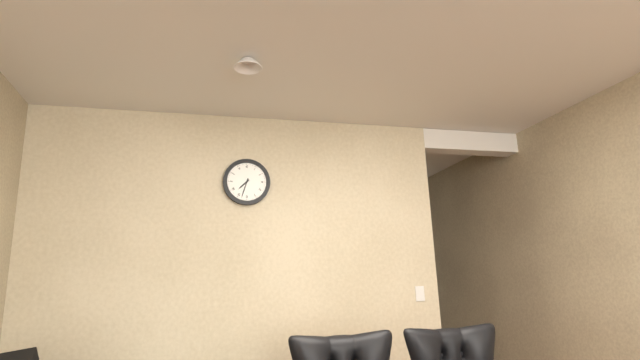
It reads {"hour": 7, "minute": 33}
